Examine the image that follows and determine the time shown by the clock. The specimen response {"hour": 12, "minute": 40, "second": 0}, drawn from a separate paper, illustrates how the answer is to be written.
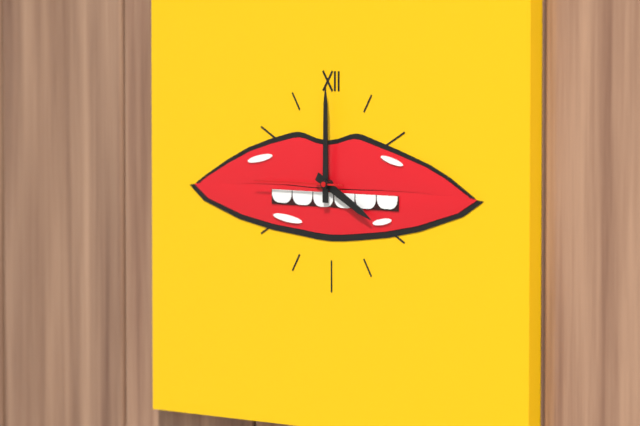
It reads {"hour": 4, "minute": 0, "second": 45}
